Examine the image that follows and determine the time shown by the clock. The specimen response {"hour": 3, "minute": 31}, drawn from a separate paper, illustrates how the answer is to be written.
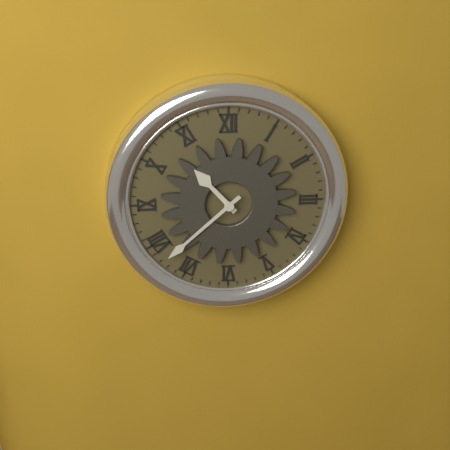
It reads {"hour": 10, "minute": 38}
